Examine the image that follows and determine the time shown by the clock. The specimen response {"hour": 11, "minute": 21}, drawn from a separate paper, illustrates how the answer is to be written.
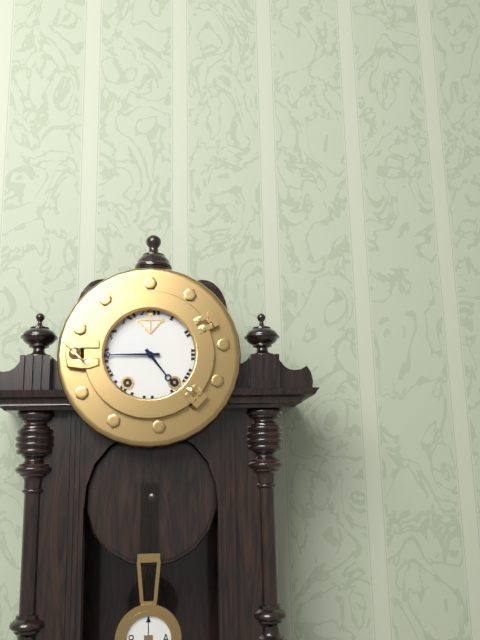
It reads {"hour": 4, "minute": 45}
